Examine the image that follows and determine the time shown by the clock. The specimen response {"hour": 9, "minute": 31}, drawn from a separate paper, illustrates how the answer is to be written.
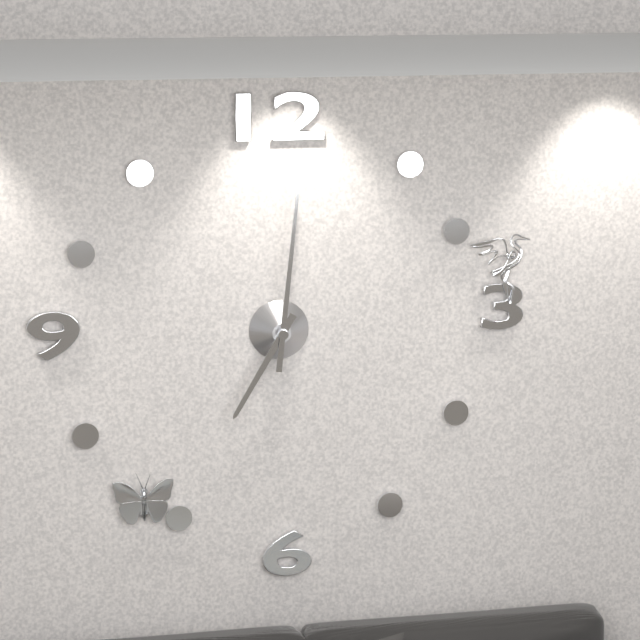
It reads {"hour": 7, "minute": 1}
